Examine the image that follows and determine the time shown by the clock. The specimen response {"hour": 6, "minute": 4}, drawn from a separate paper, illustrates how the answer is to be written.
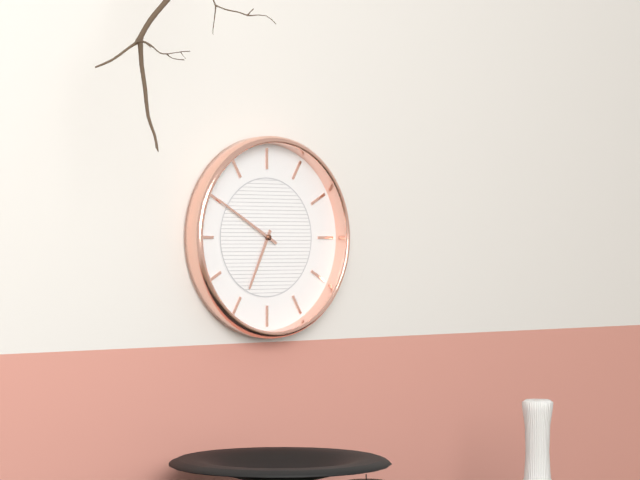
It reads {"hour": 6, "minute": 50}
